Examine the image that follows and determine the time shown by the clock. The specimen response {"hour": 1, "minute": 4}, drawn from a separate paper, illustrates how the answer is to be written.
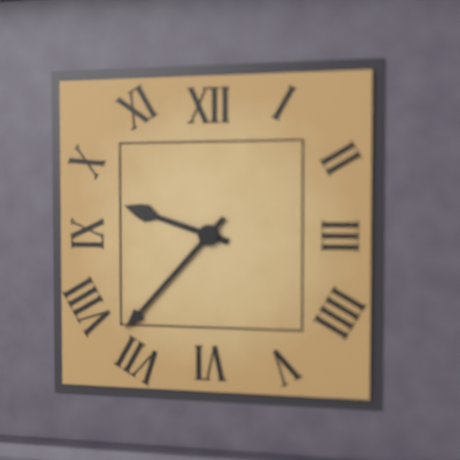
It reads {"hour": 9, "minute": 37}
